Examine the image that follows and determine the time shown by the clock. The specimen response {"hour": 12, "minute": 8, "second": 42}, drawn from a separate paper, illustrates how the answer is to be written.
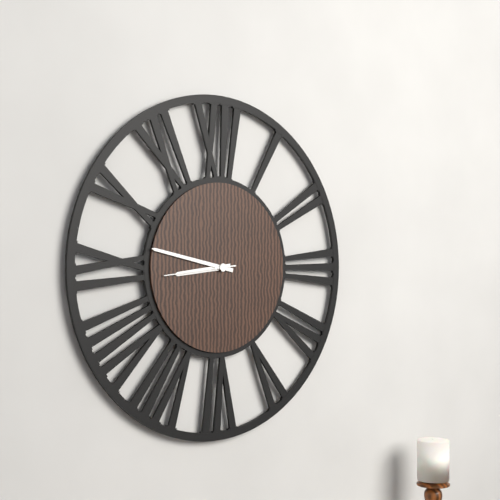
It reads {"hour": 8, "minute": 47, "second": 44}
